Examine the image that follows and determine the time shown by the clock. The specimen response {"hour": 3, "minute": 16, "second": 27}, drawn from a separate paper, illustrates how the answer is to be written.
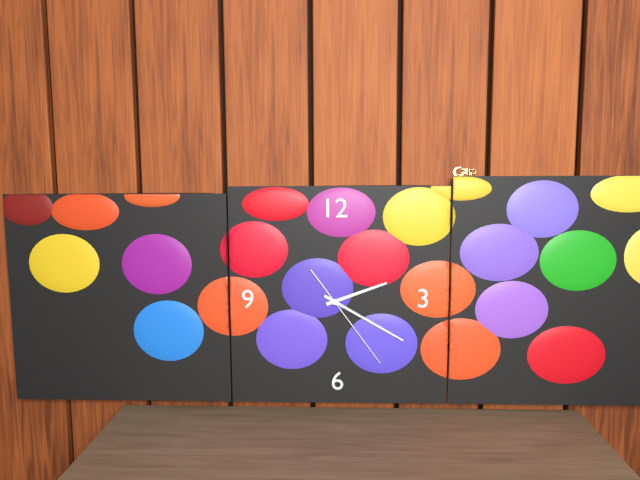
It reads {"hour": 2, "minute": 20, "second": 24}
